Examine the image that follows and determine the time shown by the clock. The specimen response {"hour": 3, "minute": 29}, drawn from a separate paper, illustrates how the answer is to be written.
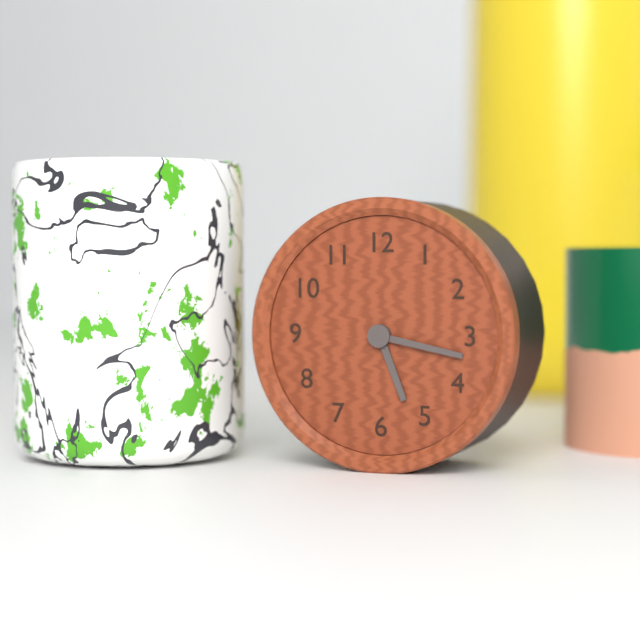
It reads {"hour": 5, "minute": 17}
